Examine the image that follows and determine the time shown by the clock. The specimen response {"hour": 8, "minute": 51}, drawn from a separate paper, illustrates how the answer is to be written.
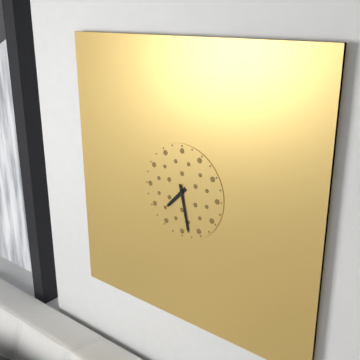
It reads {"hour": 7, "minute": 28}
